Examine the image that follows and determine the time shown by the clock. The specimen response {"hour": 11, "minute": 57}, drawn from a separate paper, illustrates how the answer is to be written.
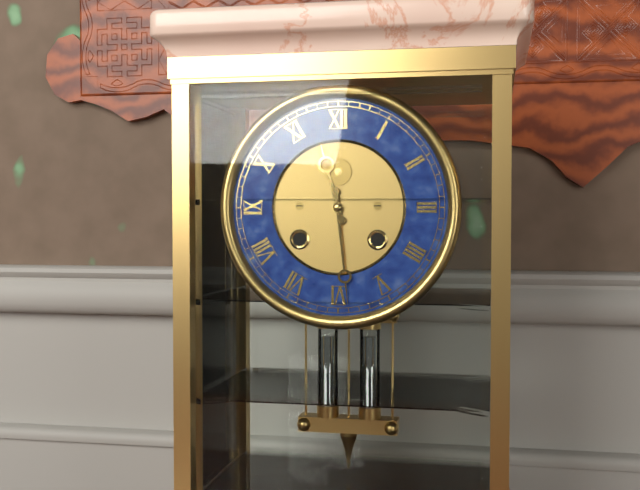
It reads {"hour": 11, "minute": 29}
